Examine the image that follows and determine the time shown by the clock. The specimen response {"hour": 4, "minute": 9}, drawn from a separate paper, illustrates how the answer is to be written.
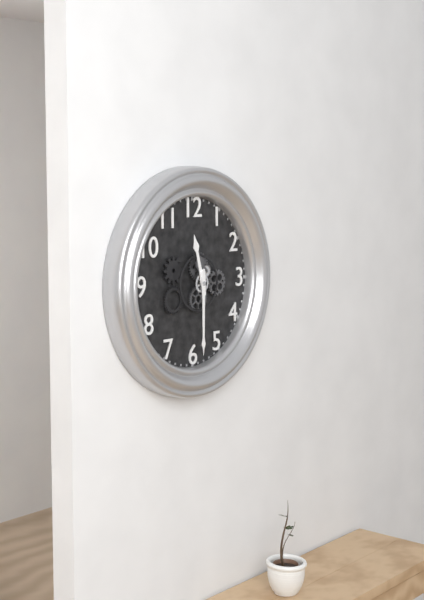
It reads {"hour": 11, "minute": 30}
